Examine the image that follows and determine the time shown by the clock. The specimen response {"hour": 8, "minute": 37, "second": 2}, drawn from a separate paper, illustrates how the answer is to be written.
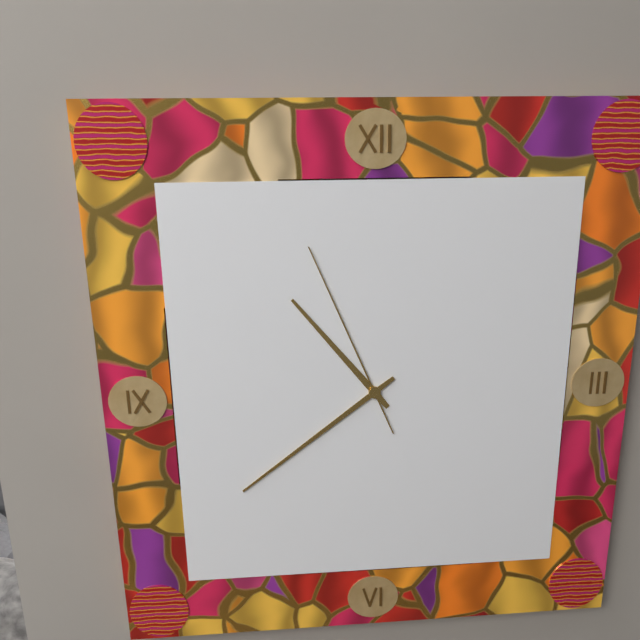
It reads {"hour": 10, "minute": 39, "second": 56}
